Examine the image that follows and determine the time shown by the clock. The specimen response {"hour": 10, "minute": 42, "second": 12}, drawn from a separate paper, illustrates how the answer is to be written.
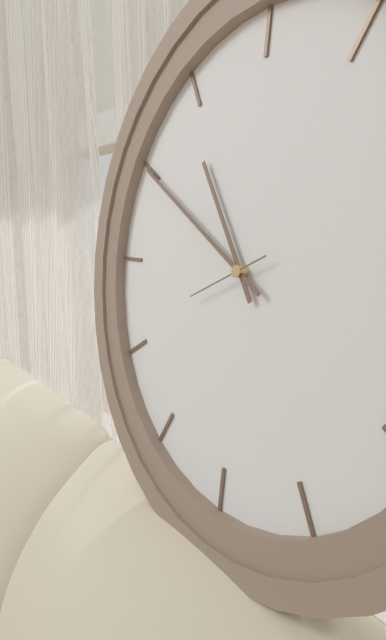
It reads {"hour": 10, "minute": 50, "second": 41}
